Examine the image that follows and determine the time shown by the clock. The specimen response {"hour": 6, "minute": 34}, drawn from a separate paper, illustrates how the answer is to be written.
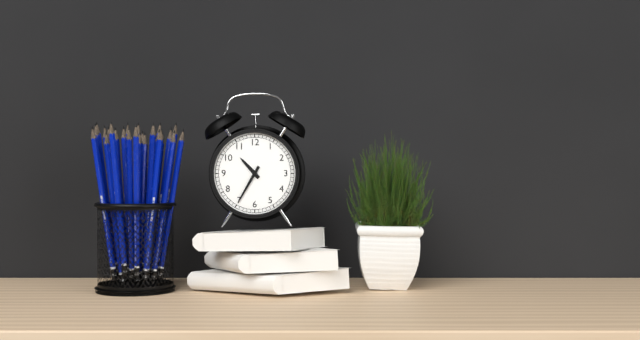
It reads {"hour": 10, "minute": 35}
